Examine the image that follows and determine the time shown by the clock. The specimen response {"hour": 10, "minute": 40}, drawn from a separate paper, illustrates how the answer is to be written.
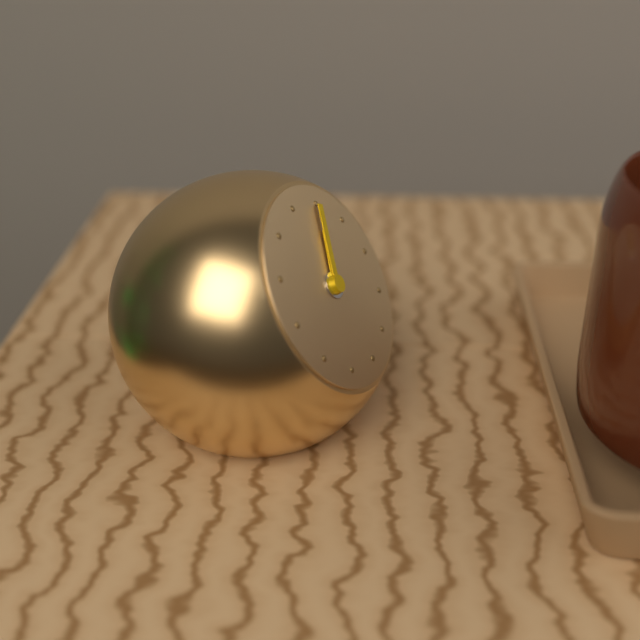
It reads {"hour": 1, "minute": 5}
